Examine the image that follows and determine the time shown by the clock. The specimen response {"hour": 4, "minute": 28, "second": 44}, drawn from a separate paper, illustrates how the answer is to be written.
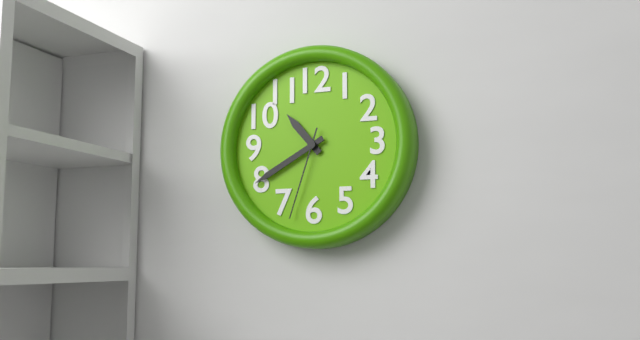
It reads {"hour": 10, "minute": 40, "second": 33}
